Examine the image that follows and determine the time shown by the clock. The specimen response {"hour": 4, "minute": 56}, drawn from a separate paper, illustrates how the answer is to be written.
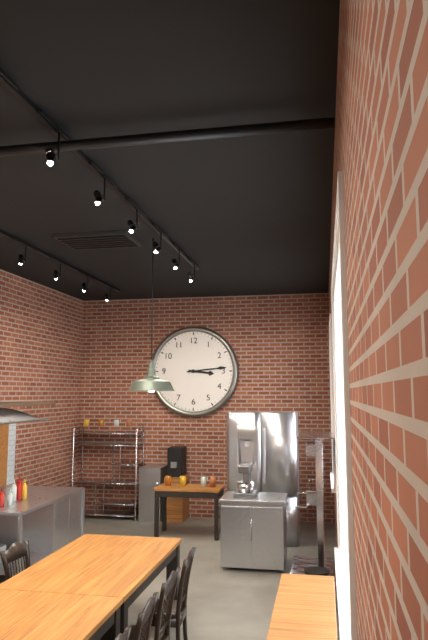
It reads {"hour": 3, "minute": 14}
